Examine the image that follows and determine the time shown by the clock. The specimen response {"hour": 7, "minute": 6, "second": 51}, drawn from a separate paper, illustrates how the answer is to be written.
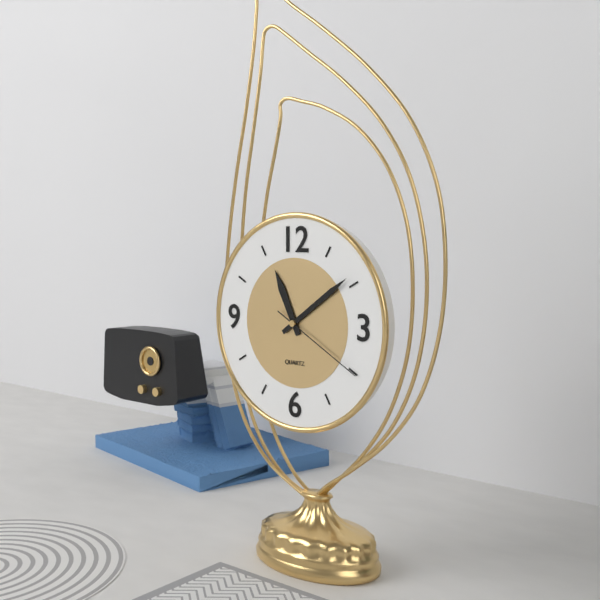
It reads {"hour": 11, "minute": 9, "second": 20}
